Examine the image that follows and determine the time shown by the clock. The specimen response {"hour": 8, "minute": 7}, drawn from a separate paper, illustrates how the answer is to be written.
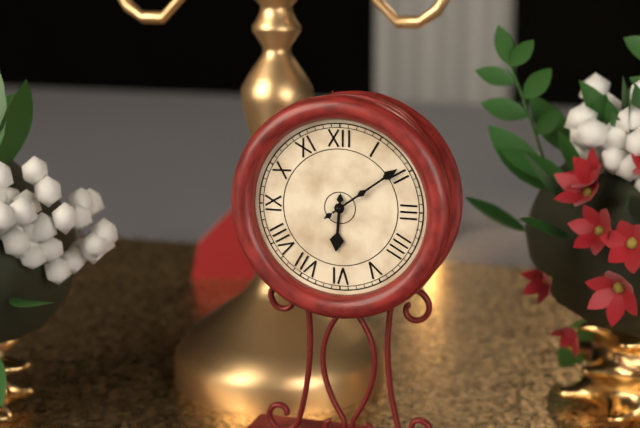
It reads {"hour": 6, "minute": 9}
